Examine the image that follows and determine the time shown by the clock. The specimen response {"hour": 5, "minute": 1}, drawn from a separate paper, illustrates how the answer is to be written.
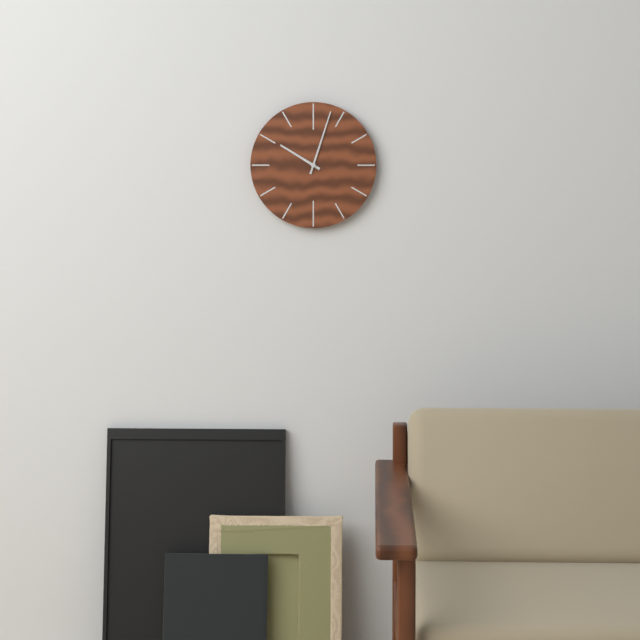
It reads {"hour": 10, "minute": 3}
